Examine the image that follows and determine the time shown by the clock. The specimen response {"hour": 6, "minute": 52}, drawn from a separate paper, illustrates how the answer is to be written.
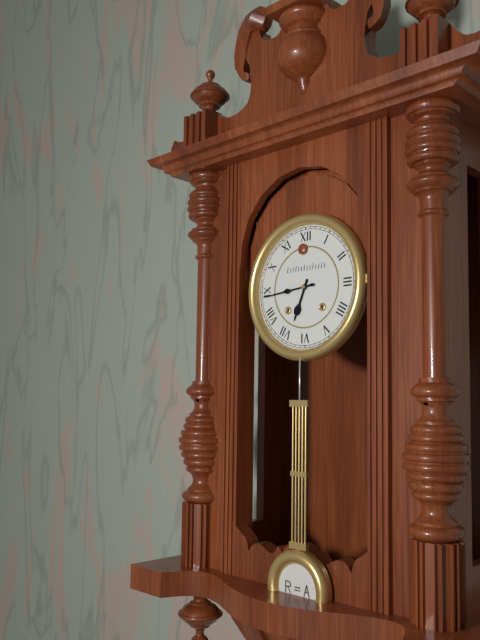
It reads {"hour": 6, "minute": 44}
